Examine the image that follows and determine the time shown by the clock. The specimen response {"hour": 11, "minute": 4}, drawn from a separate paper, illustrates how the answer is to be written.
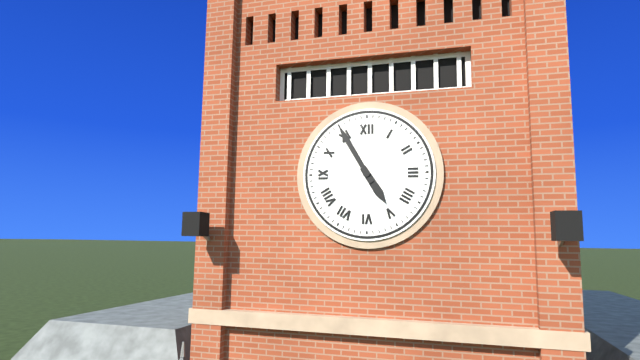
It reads {"hour": 4, "minute": 55}
